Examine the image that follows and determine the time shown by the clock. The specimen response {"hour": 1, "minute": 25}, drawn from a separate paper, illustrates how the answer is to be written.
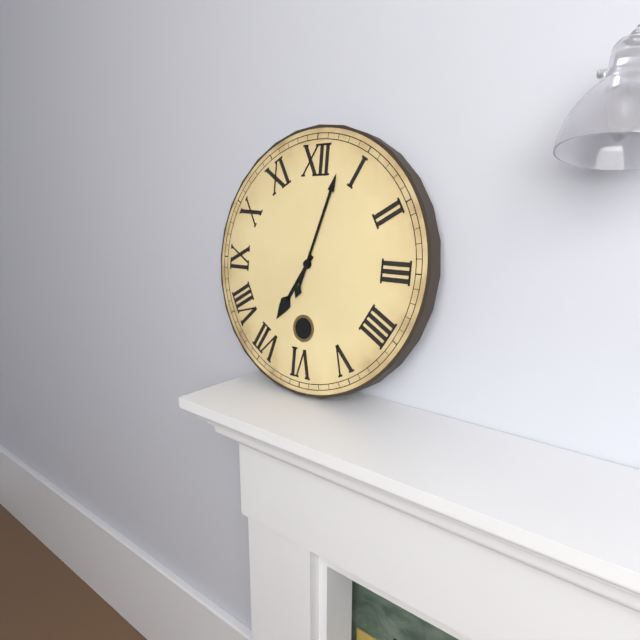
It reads {"hour": 7, "minute": 3}
